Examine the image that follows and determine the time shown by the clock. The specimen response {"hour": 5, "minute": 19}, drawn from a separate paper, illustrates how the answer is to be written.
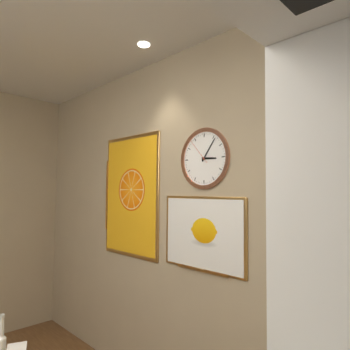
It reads {"hour": 3, "minute": 6}
